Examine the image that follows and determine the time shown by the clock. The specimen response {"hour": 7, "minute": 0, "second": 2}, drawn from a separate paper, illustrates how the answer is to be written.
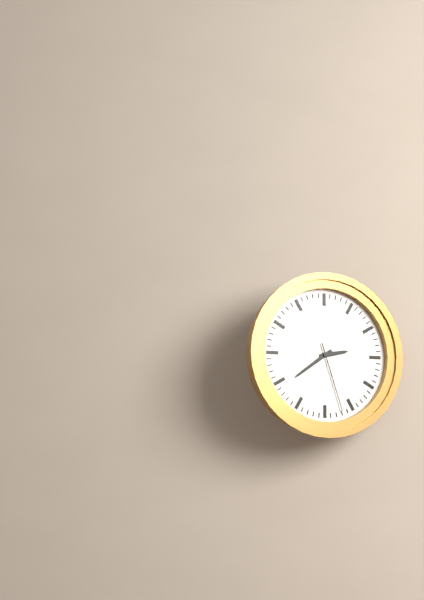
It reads {"hour": 2, "minute": 39, "second": 27}
